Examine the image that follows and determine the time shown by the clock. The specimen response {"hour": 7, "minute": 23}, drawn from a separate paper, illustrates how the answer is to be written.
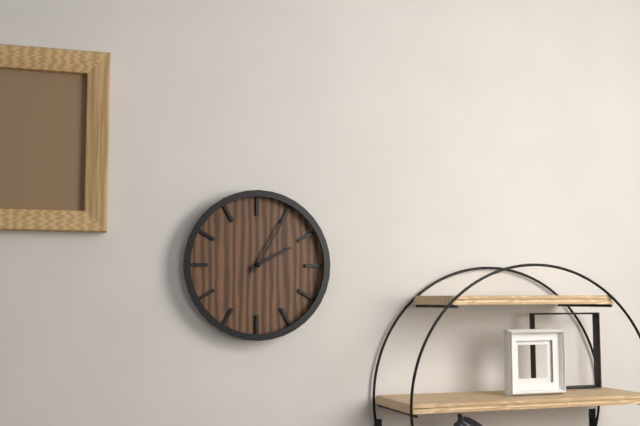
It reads {"hour": 2, "minute": 5}
